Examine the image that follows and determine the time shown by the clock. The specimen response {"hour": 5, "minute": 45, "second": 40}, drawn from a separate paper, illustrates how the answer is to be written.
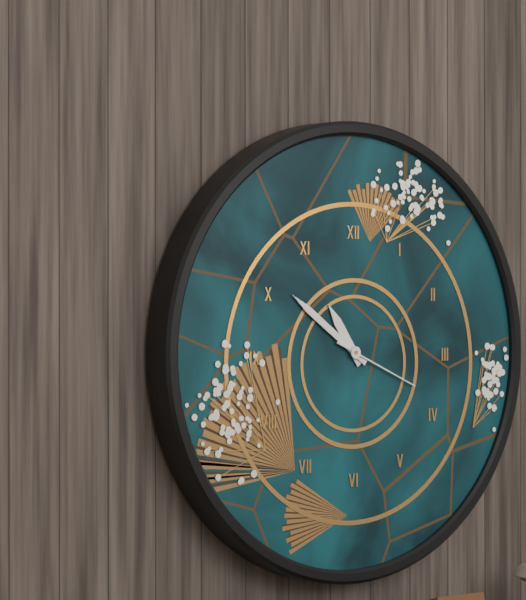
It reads {"hour": 10, "minute": 51, "second": 19}
